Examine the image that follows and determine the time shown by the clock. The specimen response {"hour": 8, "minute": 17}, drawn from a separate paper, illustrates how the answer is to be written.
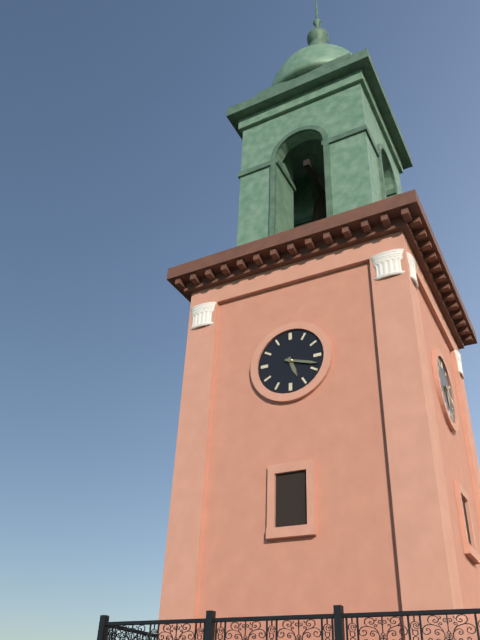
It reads {"hour": 5, "minute": 18}
